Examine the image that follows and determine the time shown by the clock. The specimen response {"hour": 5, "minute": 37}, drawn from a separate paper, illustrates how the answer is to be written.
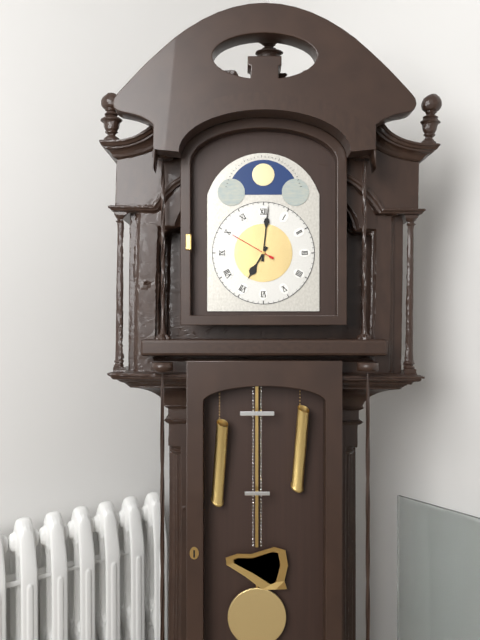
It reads {"hour": 7, "minute": 1}
